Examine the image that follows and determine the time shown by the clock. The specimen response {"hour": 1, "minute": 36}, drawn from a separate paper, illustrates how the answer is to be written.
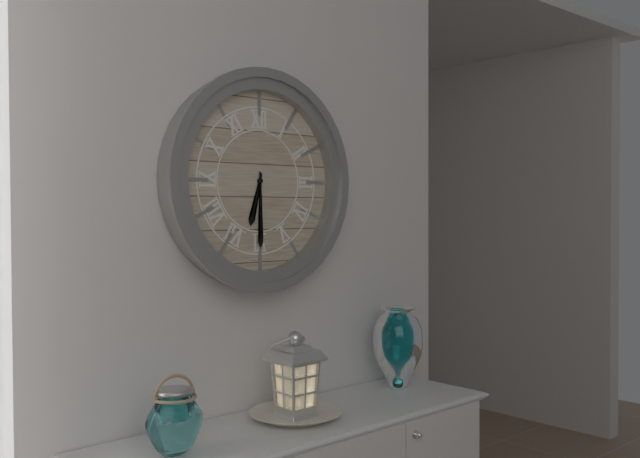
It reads {"hour": 6, "minute": 30}
